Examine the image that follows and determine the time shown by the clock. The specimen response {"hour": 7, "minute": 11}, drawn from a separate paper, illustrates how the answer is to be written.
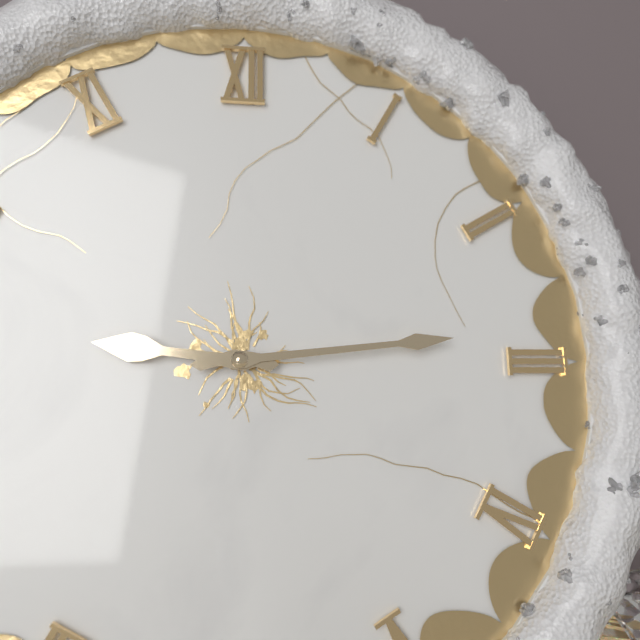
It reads {"hour": 9, "minute": 14}
